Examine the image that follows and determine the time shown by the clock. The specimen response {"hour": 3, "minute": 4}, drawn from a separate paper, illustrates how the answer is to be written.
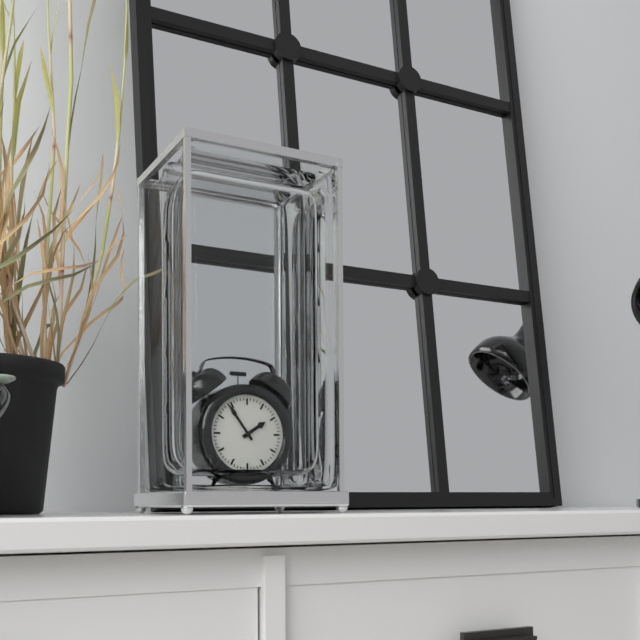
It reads {"hour": 1, "minute": 54}
